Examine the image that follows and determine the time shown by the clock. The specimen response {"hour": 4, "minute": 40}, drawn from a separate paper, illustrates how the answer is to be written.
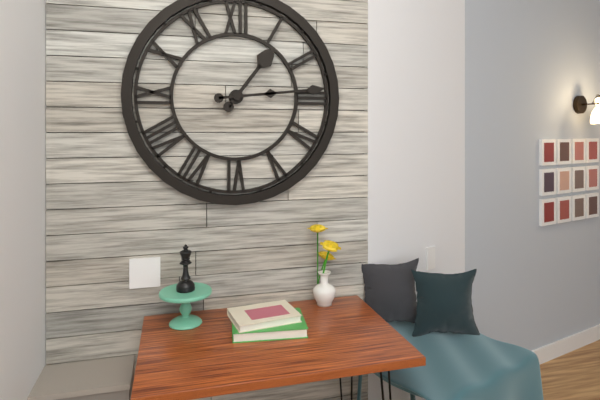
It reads {"hour": 1, "minute": 14}
